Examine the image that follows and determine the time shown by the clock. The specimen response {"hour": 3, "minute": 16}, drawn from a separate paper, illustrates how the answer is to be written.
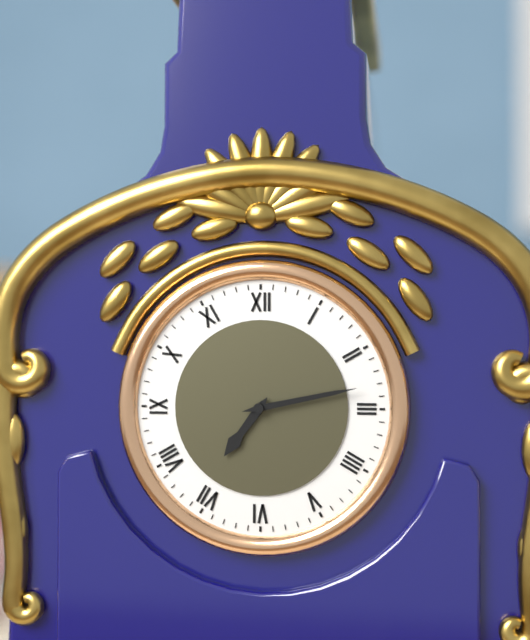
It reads {"hour": 7, "minute": 13}
